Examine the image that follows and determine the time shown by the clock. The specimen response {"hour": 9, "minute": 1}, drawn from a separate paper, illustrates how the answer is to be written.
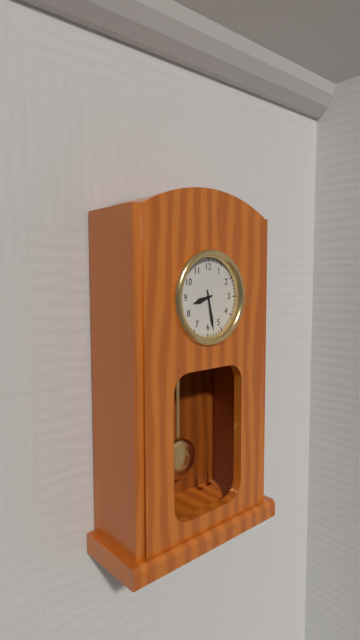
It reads {"hour": 8, "minute": 28}
